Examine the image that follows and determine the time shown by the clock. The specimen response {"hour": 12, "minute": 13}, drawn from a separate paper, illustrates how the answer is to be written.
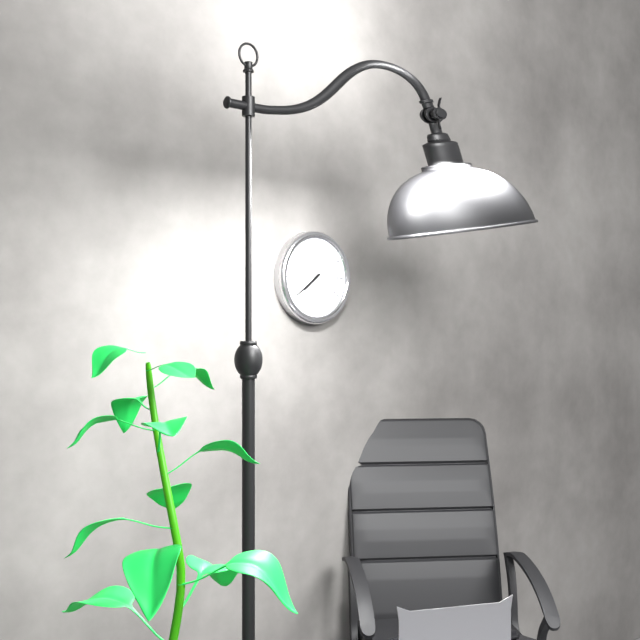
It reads {"hour": 7, "minute": 39}
